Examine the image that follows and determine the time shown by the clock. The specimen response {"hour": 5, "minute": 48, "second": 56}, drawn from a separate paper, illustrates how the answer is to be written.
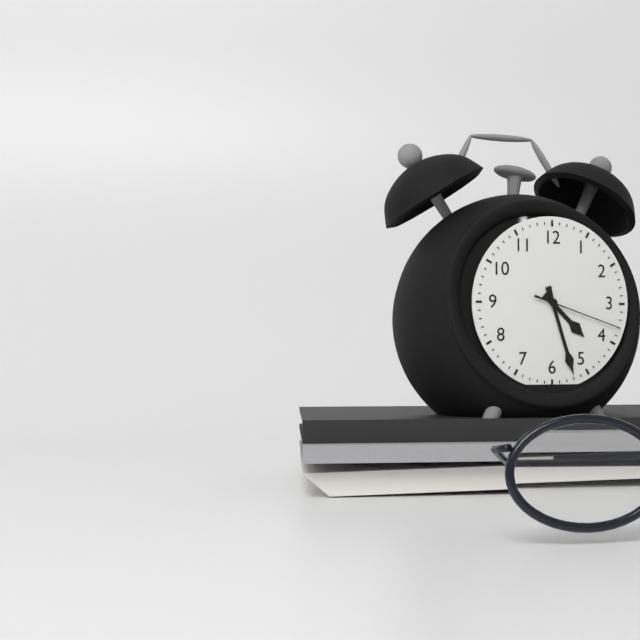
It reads {"hour": 4, "minute": 27, "second": 18}
